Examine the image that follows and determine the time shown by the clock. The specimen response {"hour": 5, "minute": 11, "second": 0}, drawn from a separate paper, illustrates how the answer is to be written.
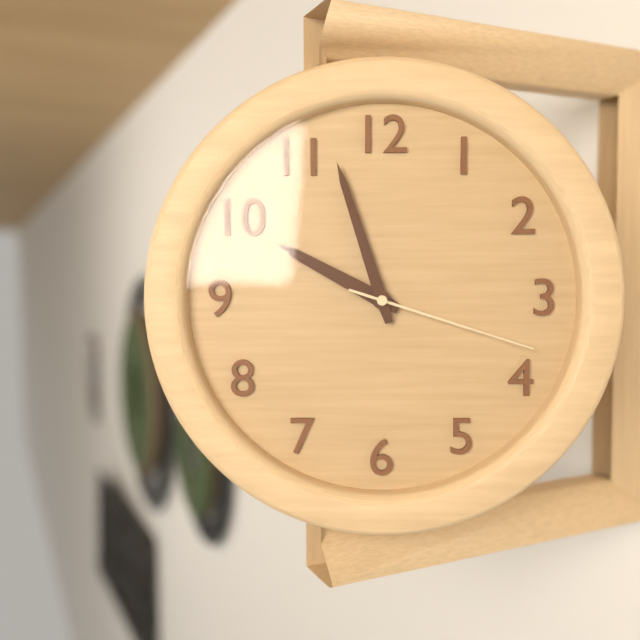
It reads {"hour": 9, "minute": 57, "second": 18}
